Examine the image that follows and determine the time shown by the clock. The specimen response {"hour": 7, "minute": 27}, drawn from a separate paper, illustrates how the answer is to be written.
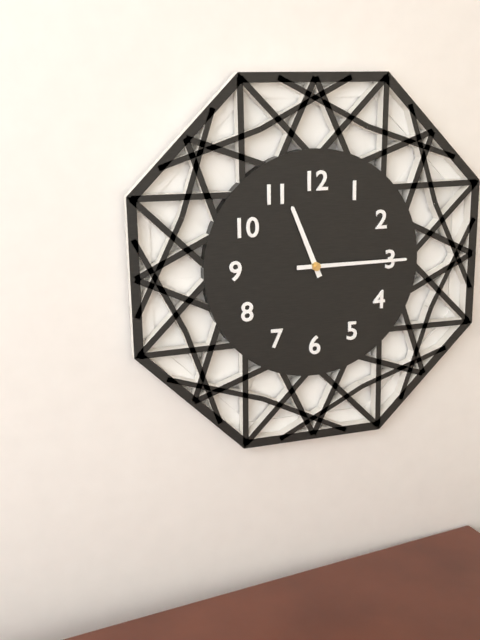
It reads {"hour": 11, "minute": 15}
